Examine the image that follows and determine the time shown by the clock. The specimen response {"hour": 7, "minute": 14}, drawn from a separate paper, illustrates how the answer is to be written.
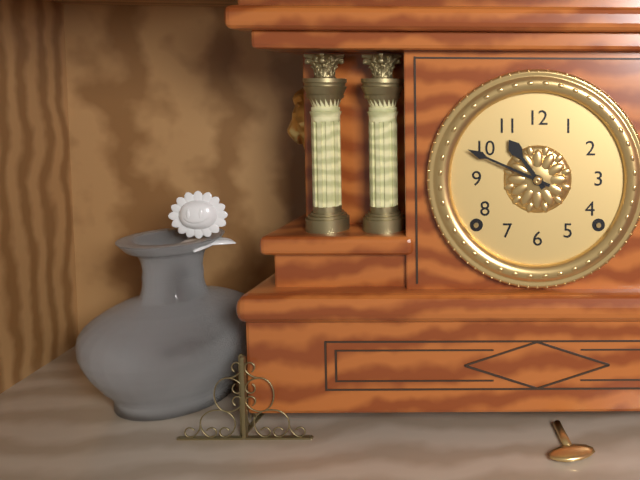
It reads {"hour": 10, "minute": 49}
